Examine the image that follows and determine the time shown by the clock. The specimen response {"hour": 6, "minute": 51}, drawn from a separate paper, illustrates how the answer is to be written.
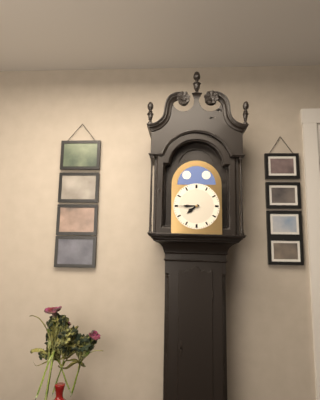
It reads {"hour": 7, "minute": 45}
